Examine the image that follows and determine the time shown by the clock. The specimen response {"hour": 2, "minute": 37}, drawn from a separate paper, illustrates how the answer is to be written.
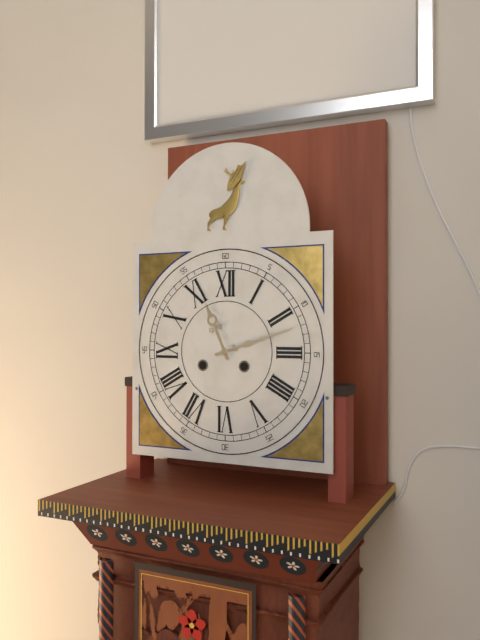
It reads {"hour": 11, "minute": 12}
